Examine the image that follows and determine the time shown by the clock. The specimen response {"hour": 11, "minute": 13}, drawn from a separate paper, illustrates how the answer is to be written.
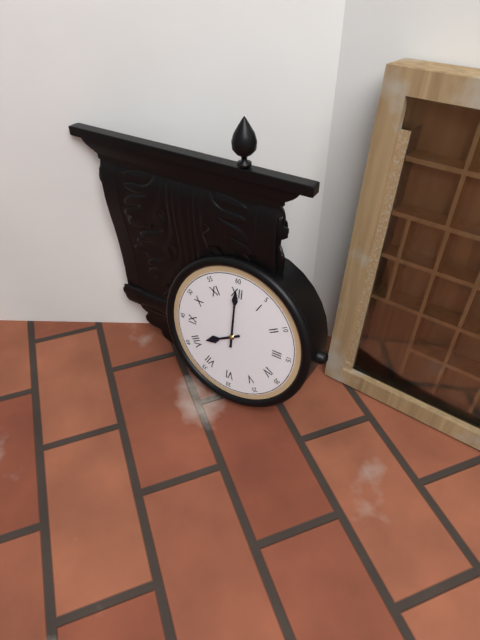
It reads {"hour": 8, "minute": 0}
